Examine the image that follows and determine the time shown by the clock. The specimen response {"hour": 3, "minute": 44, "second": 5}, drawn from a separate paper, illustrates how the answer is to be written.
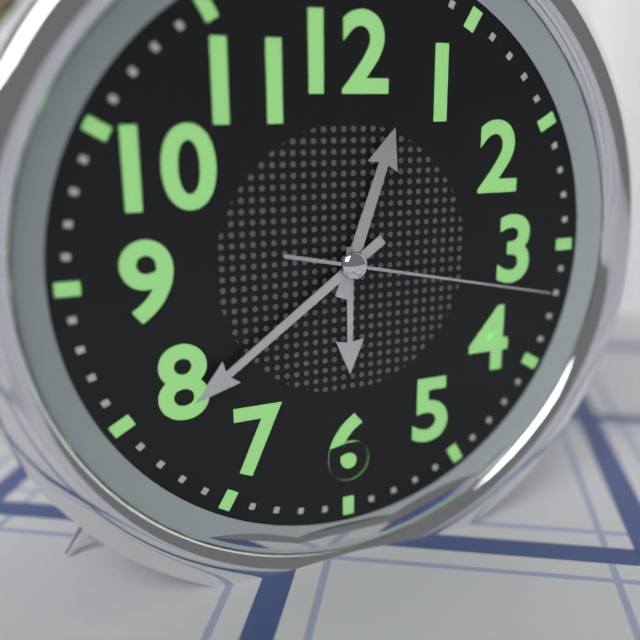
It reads {"hour": 12, "minute": 39, "second": 17}
